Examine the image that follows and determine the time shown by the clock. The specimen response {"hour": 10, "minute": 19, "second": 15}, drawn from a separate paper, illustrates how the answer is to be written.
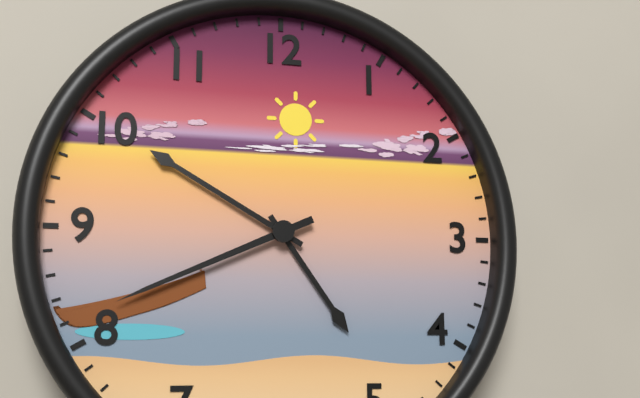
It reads {"hour": 4, "minute": 50, "second": 41}
